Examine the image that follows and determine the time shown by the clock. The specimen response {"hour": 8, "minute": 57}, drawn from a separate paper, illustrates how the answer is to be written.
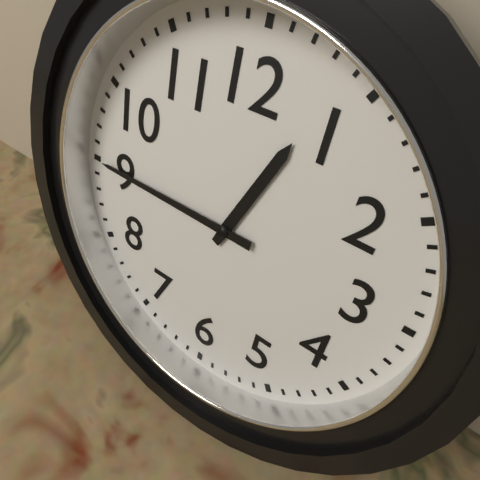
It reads {"hour": 12, "minute": 45}
